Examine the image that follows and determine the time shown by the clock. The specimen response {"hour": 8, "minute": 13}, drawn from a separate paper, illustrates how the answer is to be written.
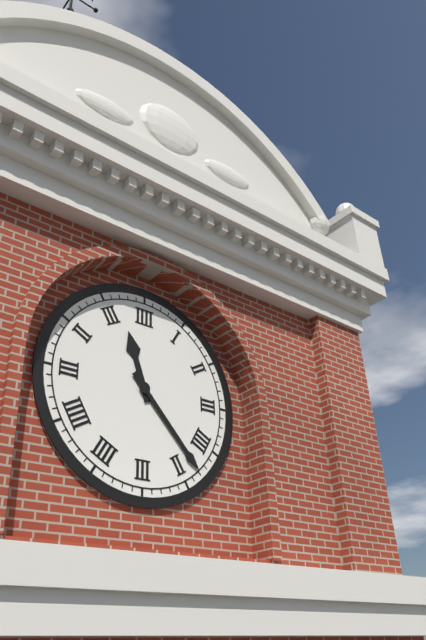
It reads {"hour": 11, "minute": 23}
